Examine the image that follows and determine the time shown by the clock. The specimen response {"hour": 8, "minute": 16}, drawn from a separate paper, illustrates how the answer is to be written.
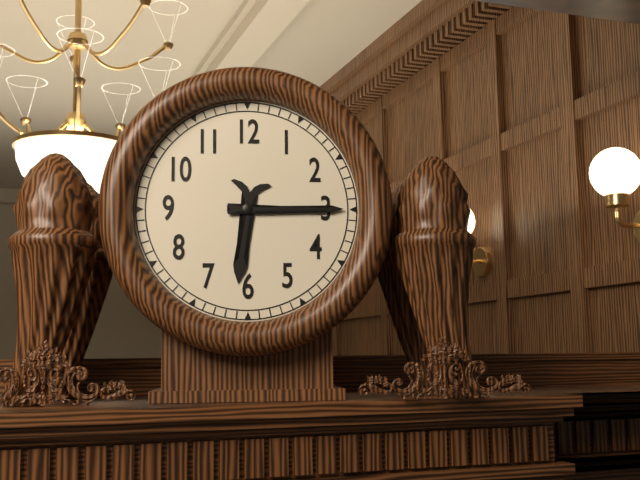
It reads {"hour": 6, "minute": 15}
